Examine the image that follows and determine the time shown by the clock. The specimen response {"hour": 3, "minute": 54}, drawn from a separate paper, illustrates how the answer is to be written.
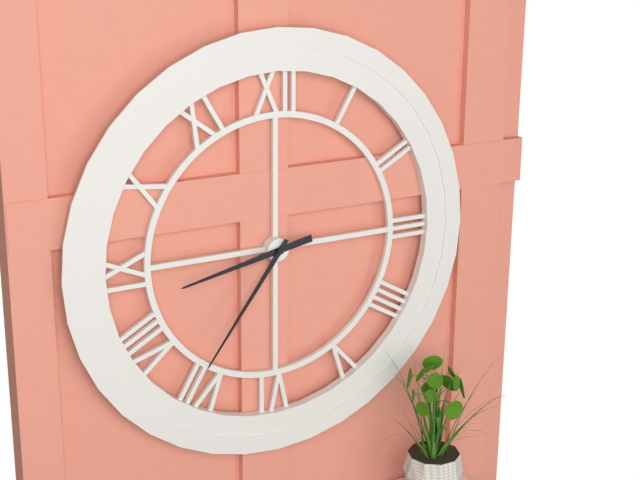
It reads {"hour": 8, "minute": 36}
